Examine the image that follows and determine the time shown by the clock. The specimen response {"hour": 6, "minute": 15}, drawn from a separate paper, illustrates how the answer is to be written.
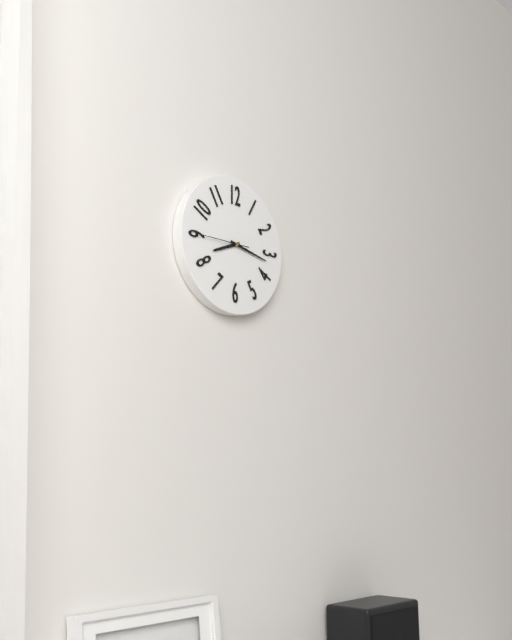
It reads {"hour": 8, "minute": 17}
